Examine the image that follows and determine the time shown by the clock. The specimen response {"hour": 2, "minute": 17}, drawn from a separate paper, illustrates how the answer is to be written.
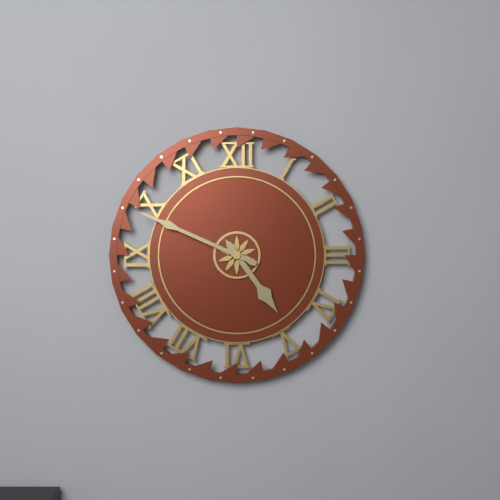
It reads {"hour": 4, "minute": 49}
